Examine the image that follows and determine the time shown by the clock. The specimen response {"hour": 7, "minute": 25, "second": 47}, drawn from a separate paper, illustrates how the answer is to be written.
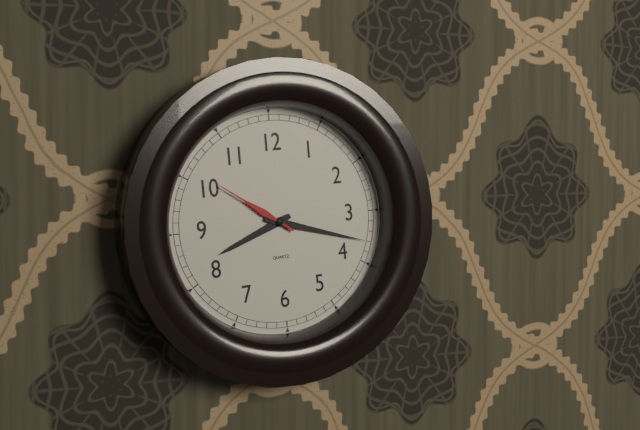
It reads {"hour": 8, "minute": 18, "second": 51}
